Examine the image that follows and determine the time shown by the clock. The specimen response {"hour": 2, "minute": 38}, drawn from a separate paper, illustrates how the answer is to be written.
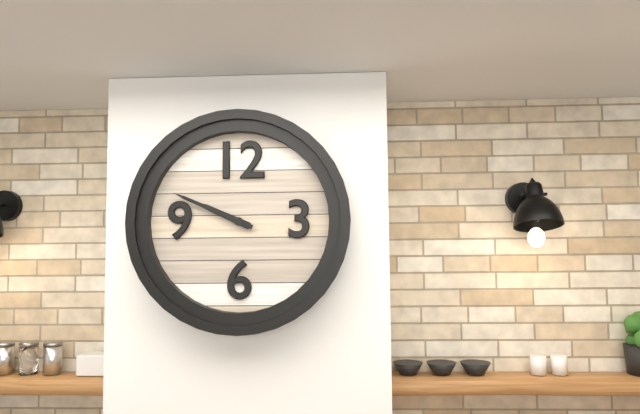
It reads {"hour": 9, "minute": 49}
